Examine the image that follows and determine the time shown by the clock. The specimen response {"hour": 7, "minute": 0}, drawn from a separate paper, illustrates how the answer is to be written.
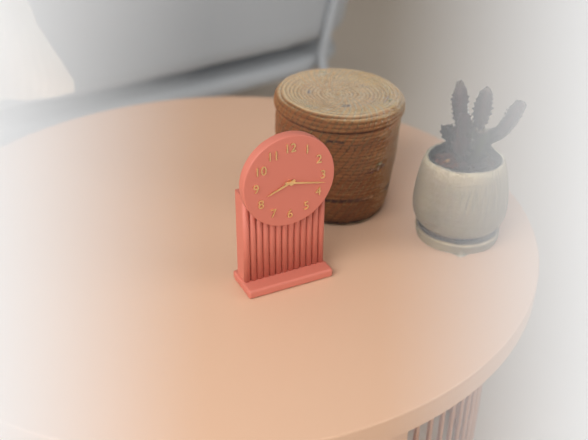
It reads {"hour": 8, "minute": 17}
